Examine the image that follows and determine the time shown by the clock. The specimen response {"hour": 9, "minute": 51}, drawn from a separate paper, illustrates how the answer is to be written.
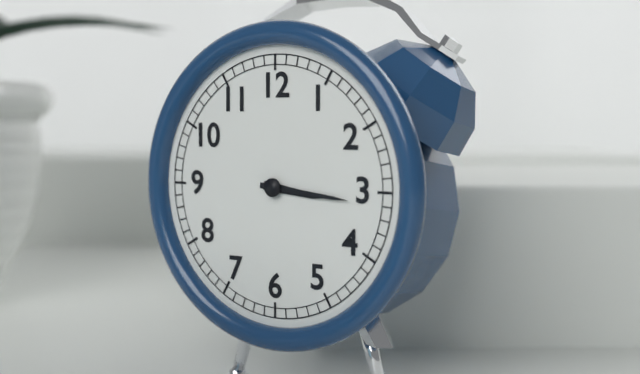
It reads {"hour": 3, "minute": 16}
